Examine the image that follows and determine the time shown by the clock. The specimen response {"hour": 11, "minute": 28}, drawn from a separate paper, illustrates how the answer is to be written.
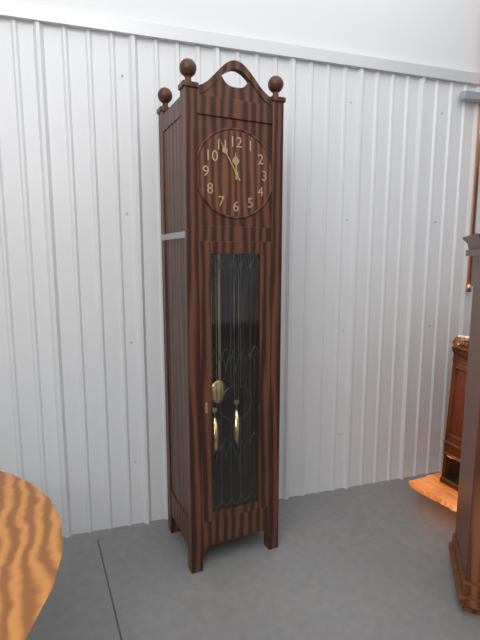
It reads {"hour": 11, "minute": 55}
